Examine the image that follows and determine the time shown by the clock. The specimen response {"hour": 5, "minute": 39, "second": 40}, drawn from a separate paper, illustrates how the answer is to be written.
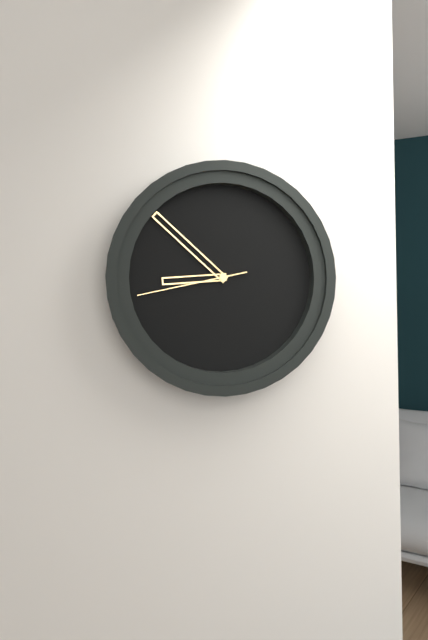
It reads {"hour": 8, "minute": 52, "second": 43}
